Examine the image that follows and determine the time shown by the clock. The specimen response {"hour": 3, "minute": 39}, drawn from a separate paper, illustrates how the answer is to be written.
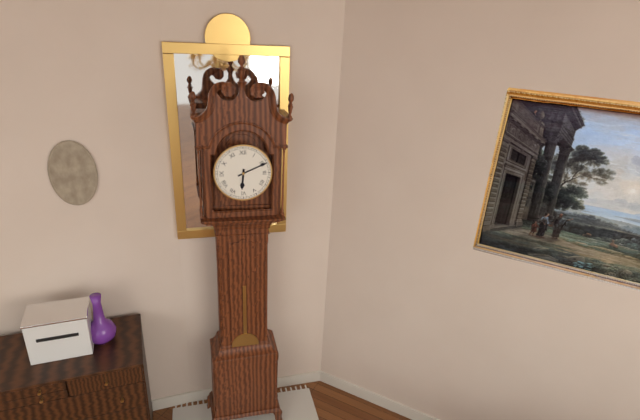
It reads {"hour": 6, "minute": 11}
